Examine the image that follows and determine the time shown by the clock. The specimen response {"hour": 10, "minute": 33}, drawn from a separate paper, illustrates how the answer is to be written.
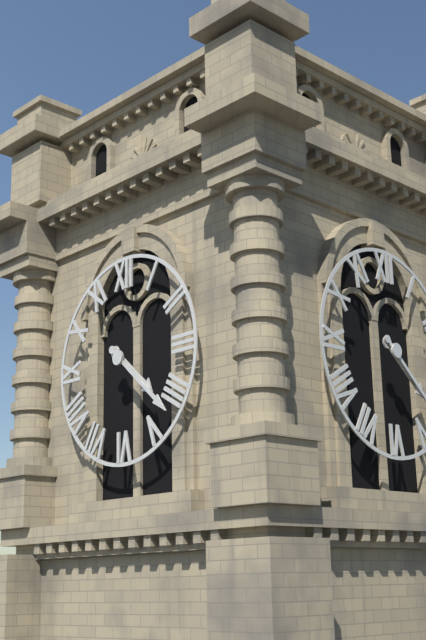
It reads {"hour": 4, "minute": 22}
